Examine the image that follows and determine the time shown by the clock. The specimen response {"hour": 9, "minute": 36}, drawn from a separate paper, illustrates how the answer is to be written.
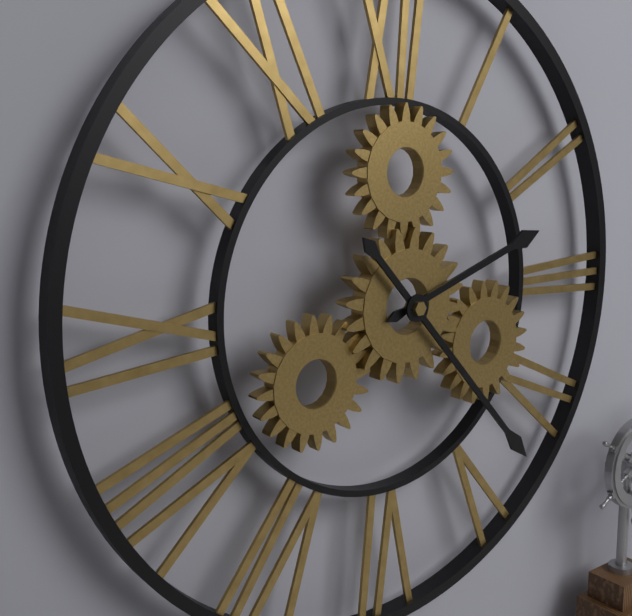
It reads {"hour": 2, "minute": 23}
